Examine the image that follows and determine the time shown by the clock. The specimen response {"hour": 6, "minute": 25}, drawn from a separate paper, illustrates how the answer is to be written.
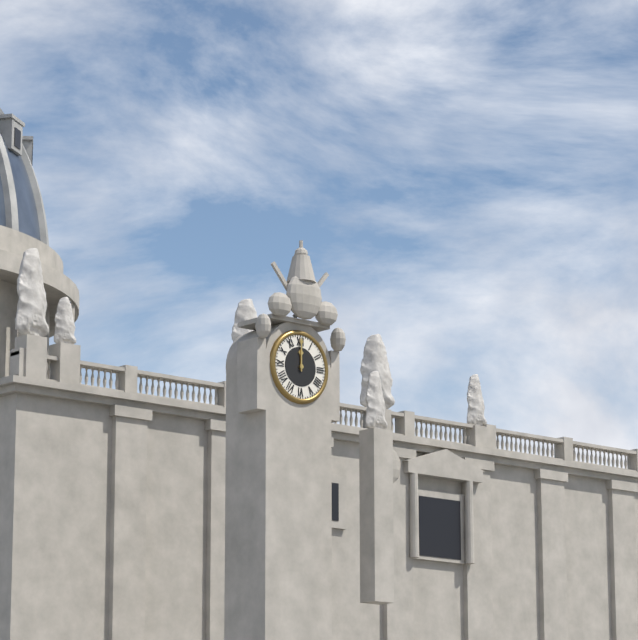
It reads {"hour": 12, "minute": 0}
